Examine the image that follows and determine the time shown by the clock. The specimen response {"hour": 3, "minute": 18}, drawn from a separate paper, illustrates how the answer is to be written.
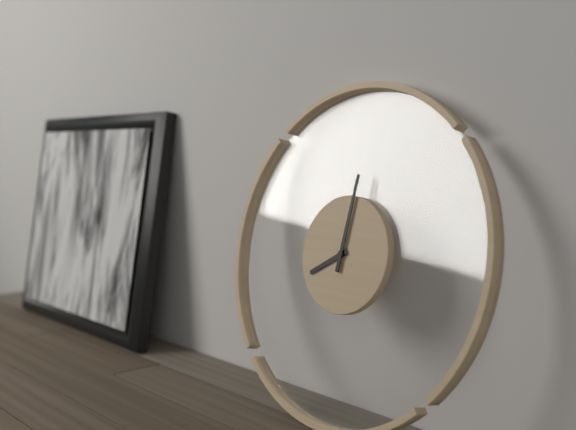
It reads {"hour": 8, "minute": 1}
